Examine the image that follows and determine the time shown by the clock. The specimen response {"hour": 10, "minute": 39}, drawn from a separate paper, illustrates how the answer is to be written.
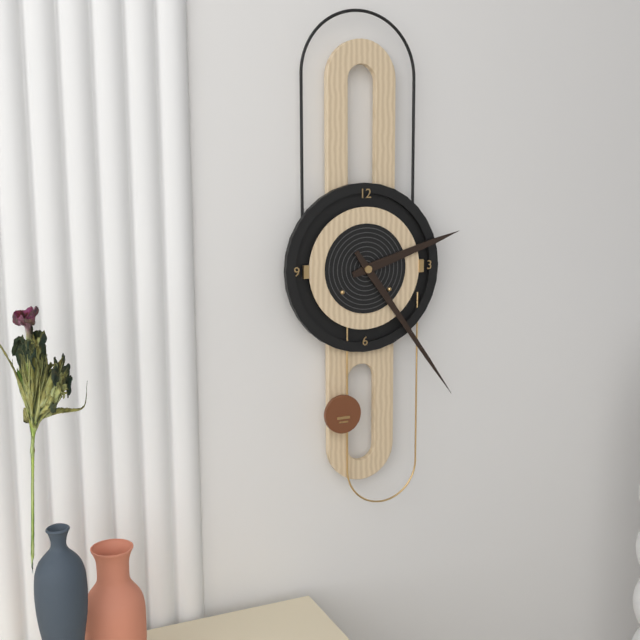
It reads {"hour": 2, "minute": 24}
